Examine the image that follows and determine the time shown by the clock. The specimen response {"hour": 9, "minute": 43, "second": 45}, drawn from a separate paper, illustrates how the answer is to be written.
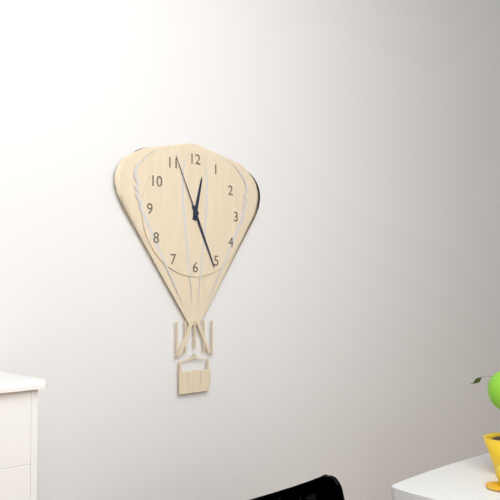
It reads {"hour": 12, "minute": 26, "second": 56}
